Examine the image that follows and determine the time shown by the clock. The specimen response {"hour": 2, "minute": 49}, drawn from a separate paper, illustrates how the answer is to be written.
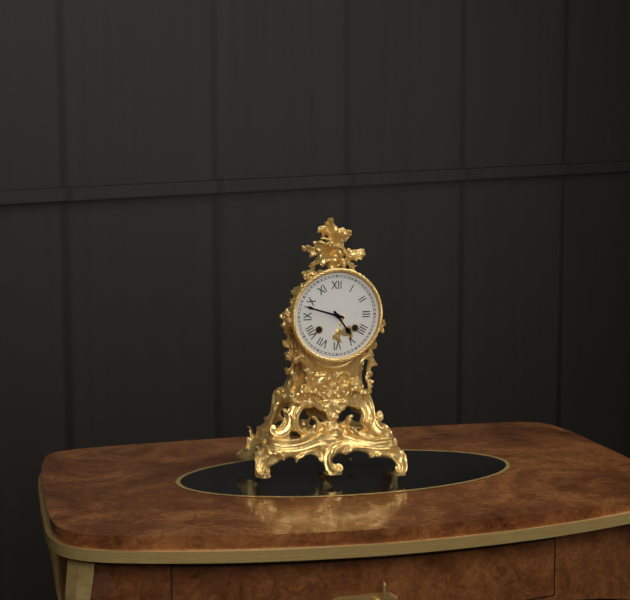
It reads {"hour": 4, "minute": 48}
